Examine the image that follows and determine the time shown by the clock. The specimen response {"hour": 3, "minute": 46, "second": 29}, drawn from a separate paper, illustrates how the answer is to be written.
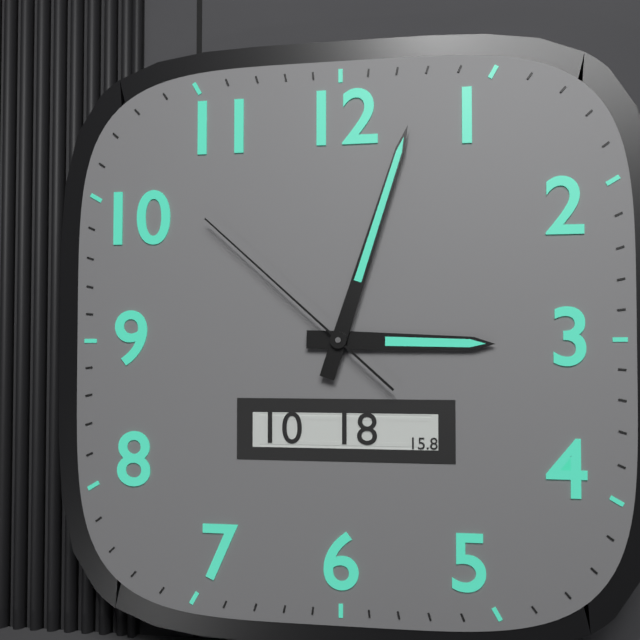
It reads {"hour": 3, "minute": 3, "second": 52}
